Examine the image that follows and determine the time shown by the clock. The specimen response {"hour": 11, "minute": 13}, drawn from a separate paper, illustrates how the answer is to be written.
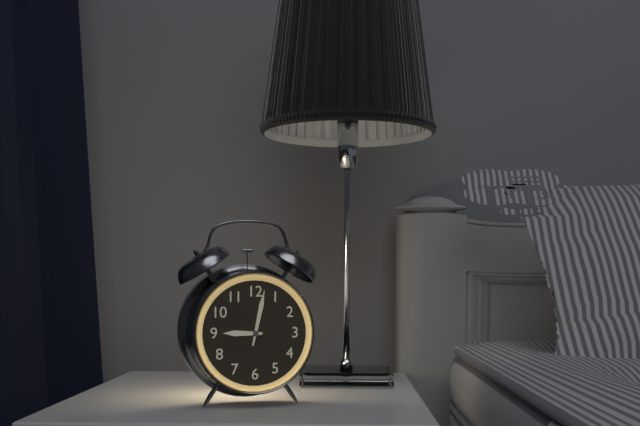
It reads {"hour": 9, "minute": 2}
